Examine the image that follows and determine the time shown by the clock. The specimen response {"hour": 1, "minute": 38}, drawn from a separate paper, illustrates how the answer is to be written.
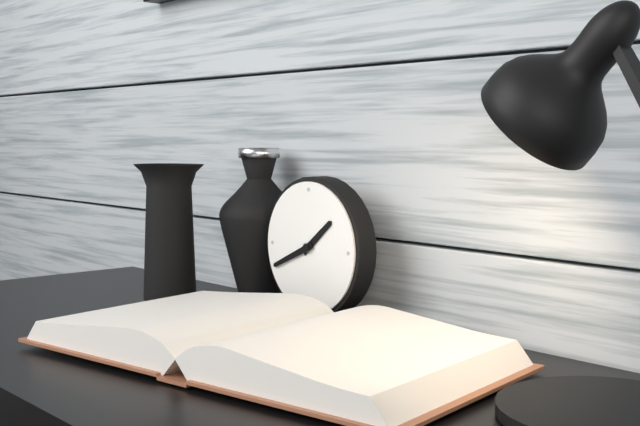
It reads {"hour": 1, "minute": 41}
